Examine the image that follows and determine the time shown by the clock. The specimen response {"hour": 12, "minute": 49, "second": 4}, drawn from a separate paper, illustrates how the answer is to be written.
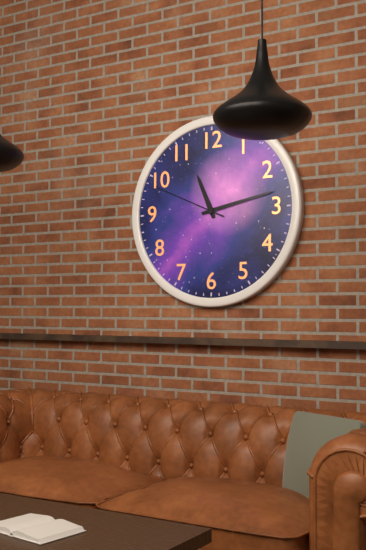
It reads {"hour": 11, "minute": 13, "second": 49}
